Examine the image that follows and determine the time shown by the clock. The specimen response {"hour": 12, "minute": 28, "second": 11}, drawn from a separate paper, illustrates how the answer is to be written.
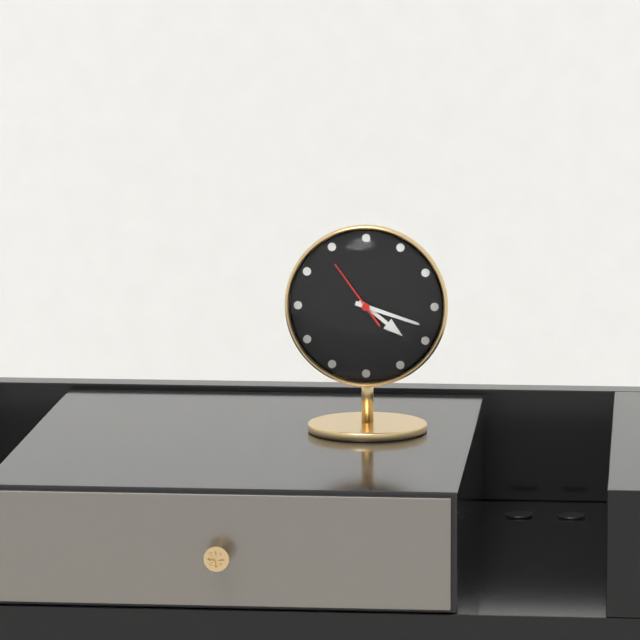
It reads {"hour": 4, "minute": 18, "second": 54}
